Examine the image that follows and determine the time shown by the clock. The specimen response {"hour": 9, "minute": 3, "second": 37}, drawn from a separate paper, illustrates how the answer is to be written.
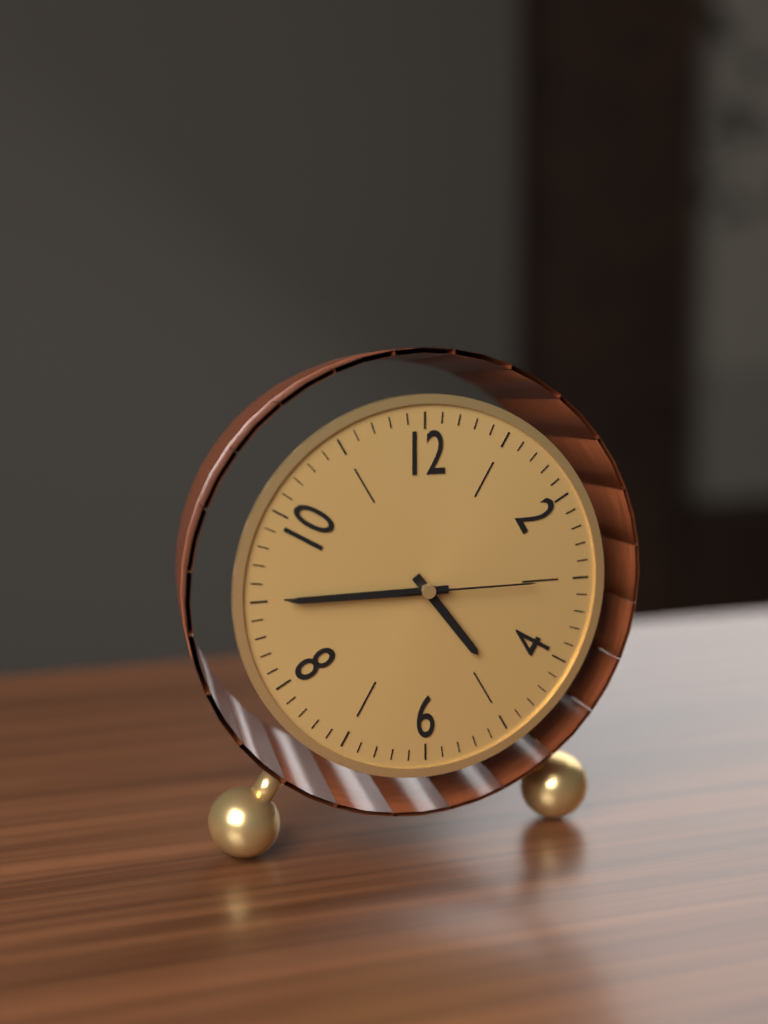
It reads {"hour": 4, "minute": 45, "second": 15}
